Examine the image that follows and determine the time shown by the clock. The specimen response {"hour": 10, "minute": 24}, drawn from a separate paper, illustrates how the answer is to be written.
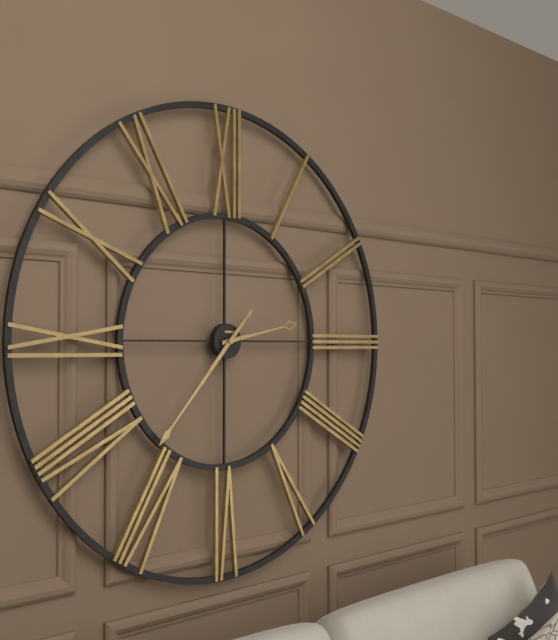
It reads {"hour": 2, "minute": 37}
